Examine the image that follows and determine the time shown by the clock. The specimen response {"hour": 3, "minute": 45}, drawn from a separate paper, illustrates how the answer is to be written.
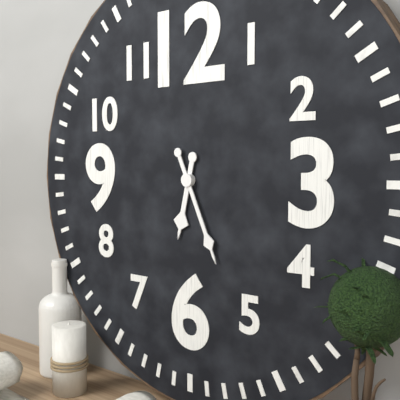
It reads {"hour": 6, "minute": 26}
